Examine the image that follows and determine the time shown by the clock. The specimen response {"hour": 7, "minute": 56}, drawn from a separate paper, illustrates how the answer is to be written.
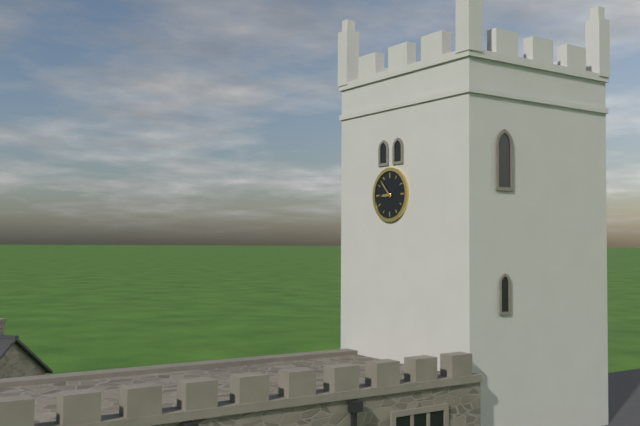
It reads {"hour": 8, "minute": 53}
